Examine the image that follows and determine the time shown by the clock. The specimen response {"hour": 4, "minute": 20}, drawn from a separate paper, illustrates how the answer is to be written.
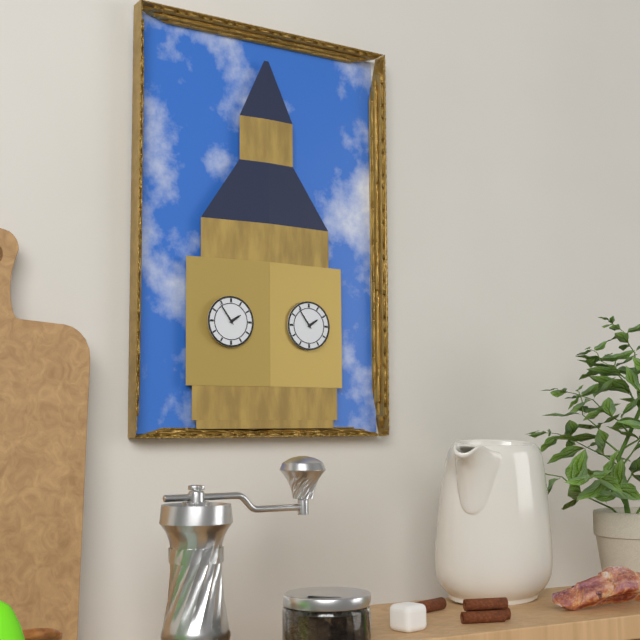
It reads {"hour": 1, "minute": 54}
